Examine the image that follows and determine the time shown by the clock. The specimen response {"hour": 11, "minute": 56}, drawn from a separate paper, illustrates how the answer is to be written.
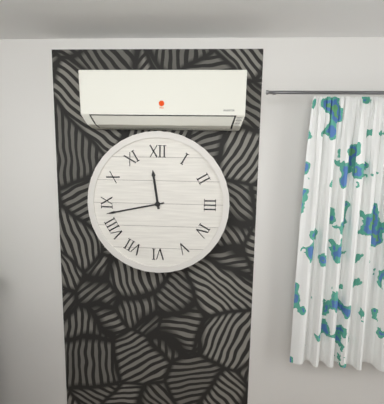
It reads {"hour": 11, "minute": 43}
